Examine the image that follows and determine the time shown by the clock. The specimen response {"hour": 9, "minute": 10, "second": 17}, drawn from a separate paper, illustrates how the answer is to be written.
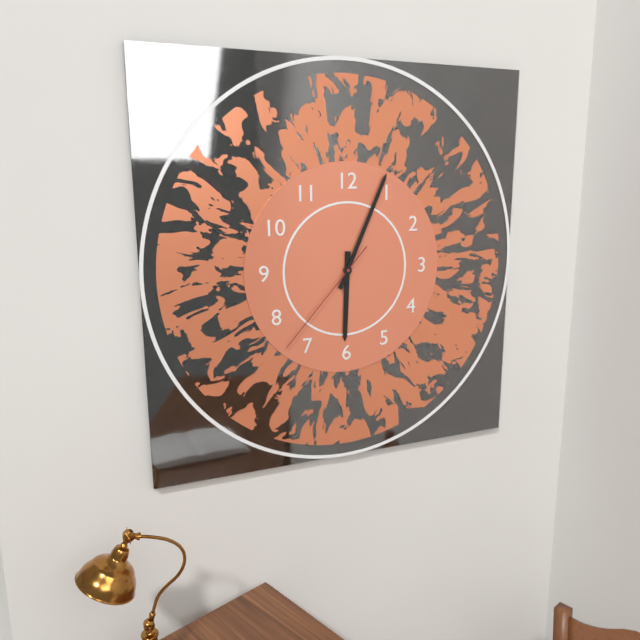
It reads {"hour": 6, "minute": 4, "second": 37}
